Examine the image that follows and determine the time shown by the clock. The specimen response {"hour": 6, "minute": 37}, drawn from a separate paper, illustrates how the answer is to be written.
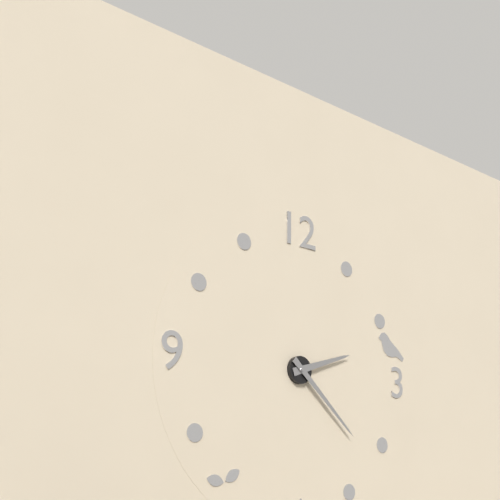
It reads {"hour": 2, "minute": 22}
